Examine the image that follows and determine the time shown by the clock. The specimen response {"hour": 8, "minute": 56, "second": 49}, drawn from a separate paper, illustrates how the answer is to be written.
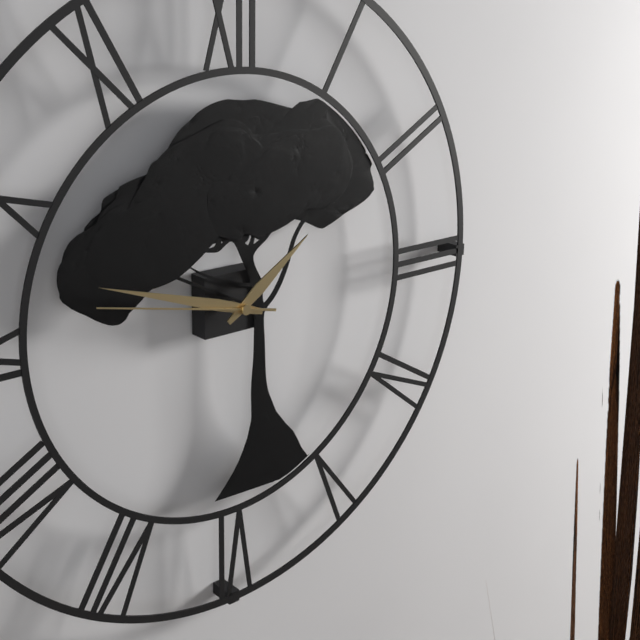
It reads {"hour": 1, "minute": 48, "second": 47}
